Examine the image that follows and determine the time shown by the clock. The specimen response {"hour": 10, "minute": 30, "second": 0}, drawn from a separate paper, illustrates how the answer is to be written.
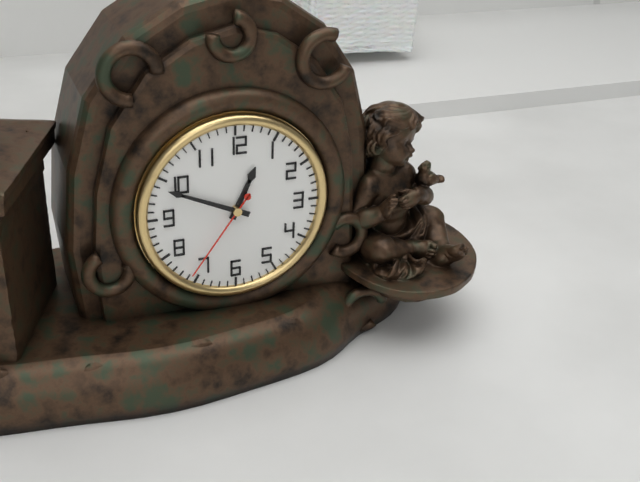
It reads {"hour": 12, "minute": 49, "second": 36}
